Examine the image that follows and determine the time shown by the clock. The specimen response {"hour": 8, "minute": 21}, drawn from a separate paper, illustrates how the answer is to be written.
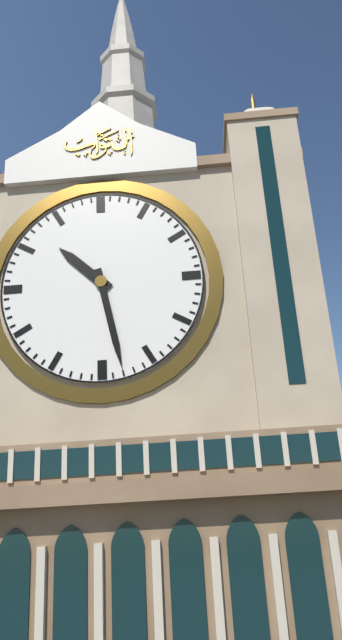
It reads {"hour": 10, "minute": 28}
